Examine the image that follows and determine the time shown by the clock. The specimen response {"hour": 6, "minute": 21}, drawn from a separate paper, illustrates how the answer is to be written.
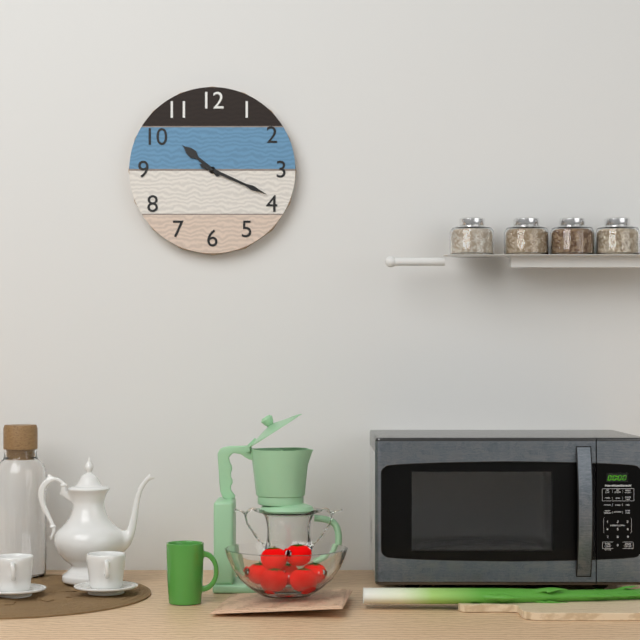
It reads {"hour": 10, "minute": 19}
